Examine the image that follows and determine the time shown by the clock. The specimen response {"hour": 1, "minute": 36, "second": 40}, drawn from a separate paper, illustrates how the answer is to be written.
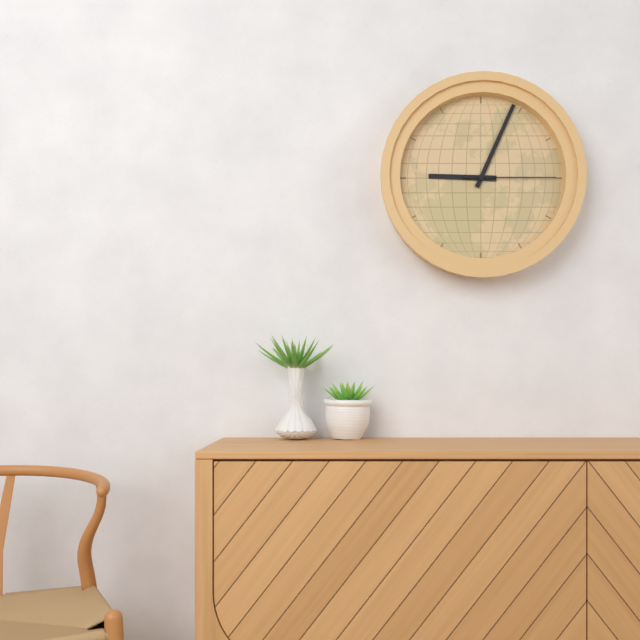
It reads {"hour": 9, "minute": 4, "second": 15}
